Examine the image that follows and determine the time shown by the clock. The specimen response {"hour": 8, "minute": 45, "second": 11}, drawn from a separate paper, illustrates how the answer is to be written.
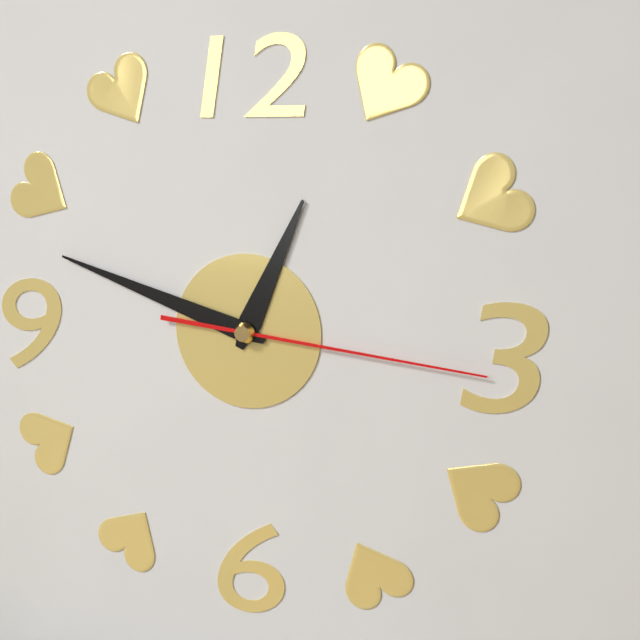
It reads {"hour": 12, "minute": 48, "second": 16}
